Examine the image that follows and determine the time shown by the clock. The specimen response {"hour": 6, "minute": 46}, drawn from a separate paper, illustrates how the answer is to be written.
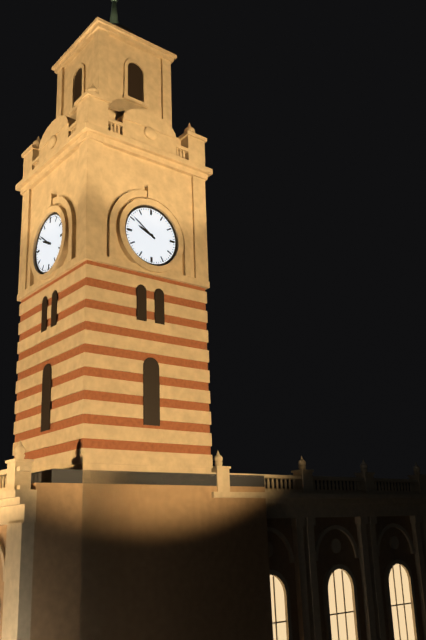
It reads {"hour": 9, "minute": 51}
